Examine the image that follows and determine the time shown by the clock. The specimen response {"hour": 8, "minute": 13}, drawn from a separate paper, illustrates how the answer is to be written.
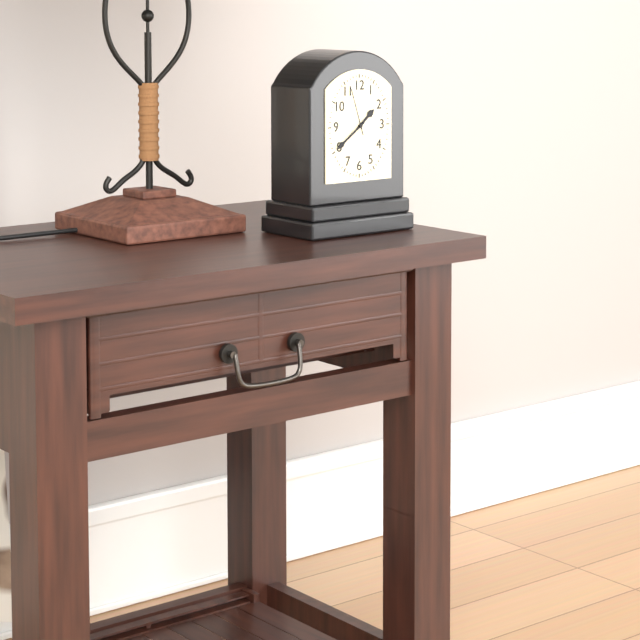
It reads {"hour": 1, "minute": 39}
